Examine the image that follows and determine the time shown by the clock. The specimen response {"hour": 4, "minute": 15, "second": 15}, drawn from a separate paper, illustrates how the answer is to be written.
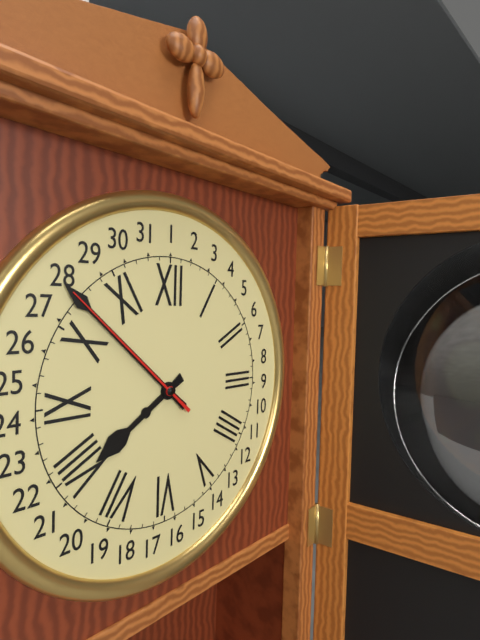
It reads {"hour": 7, "minute": 52, "second": 52}
